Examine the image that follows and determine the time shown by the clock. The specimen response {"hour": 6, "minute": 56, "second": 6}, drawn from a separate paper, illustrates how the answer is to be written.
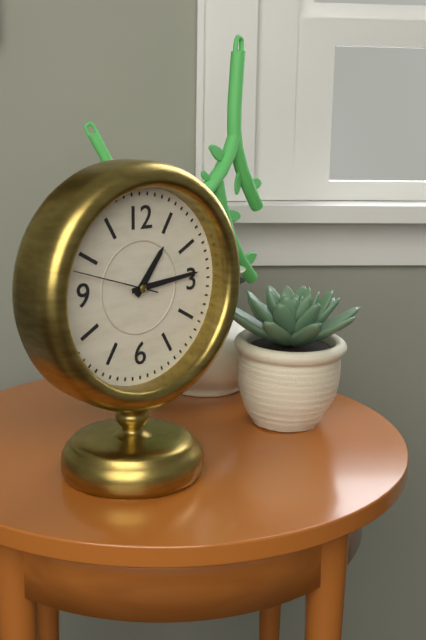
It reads {"hour": 1, "minute": 14, "second": 48}
